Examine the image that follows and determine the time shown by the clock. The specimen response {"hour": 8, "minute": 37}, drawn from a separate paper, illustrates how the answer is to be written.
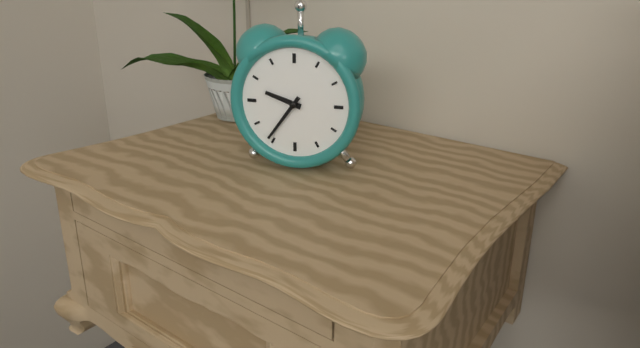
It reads {"hour": 9, "minute": 36}
